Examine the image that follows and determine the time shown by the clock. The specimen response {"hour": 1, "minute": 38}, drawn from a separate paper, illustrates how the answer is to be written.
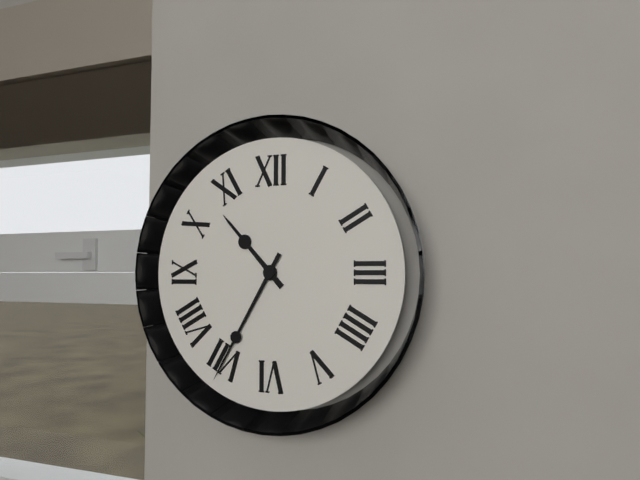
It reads {"hour": 10, "minute": 35}
